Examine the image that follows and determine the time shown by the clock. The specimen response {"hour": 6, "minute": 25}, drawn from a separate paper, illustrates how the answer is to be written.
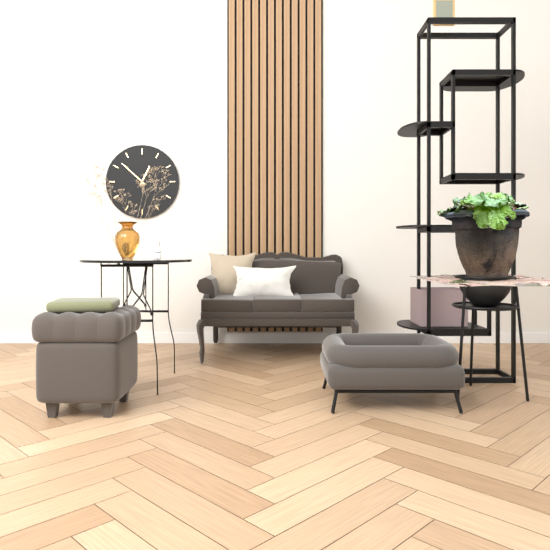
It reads {"hour": 12, "minute": 52}
